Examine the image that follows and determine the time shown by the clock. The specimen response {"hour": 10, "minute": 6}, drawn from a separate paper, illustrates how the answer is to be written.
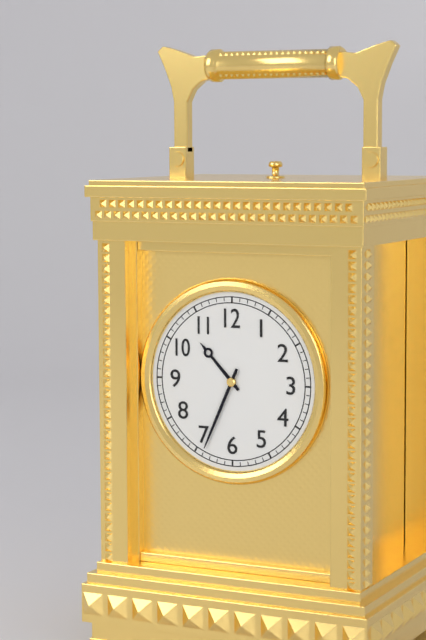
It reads {"hour": 10, "minute": 34}
